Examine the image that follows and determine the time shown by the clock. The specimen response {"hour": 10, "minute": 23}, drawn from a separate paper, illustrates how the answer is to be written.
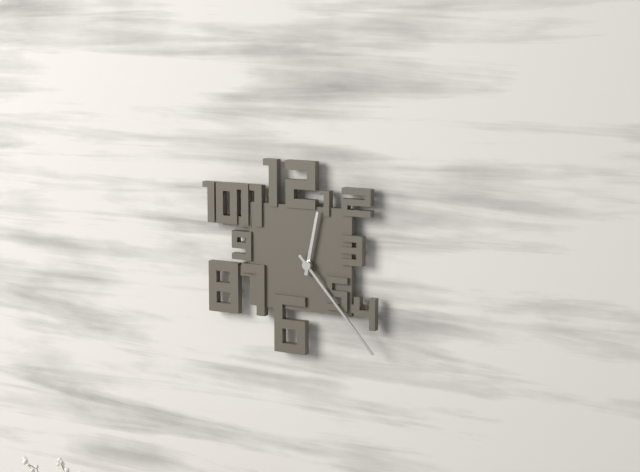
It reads {"hour": 12, "minute": 23}
